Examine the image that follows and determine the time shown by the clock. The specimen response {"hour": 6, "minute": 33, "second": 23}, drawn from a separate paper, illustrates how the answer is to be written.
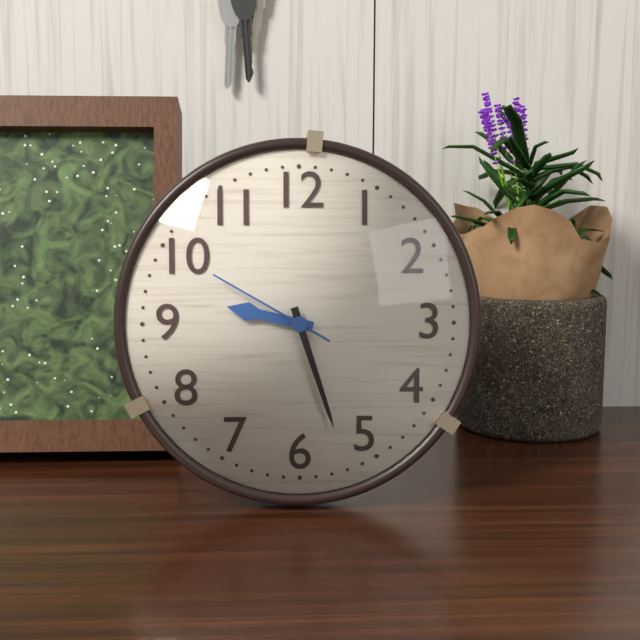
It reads {"hour": 9, "minute": 27, "second": 50}
